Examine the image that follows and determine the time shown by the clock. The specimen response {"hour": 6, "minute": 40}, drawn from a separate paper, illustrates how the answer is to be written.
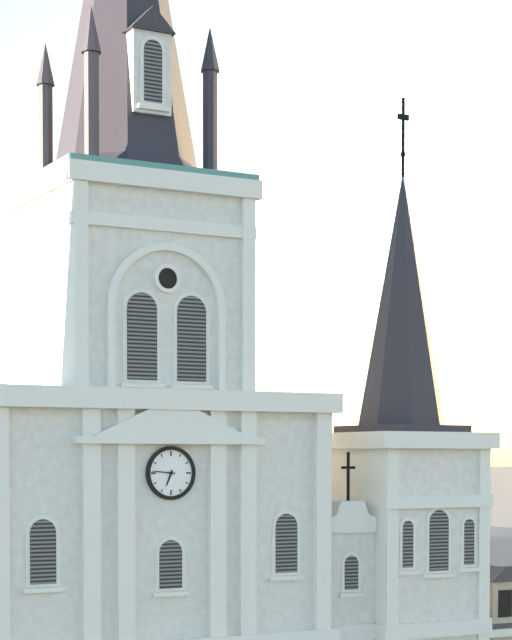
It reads {"hour": 6, "minute": 46}
